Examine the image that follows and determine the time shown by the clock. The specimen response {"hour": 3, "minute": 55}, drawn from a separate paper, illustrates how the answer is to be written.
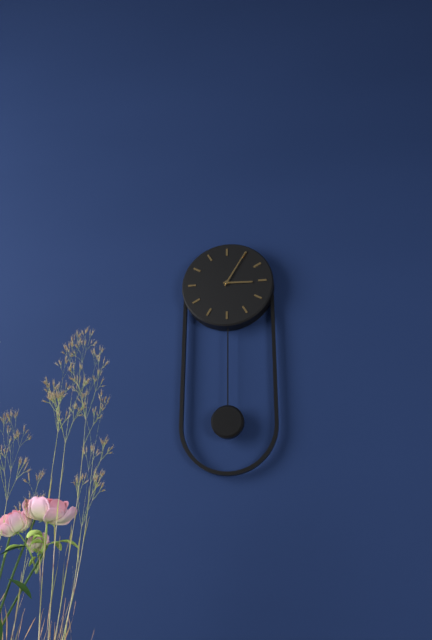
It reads {"hour": 3, "minute": 5}
